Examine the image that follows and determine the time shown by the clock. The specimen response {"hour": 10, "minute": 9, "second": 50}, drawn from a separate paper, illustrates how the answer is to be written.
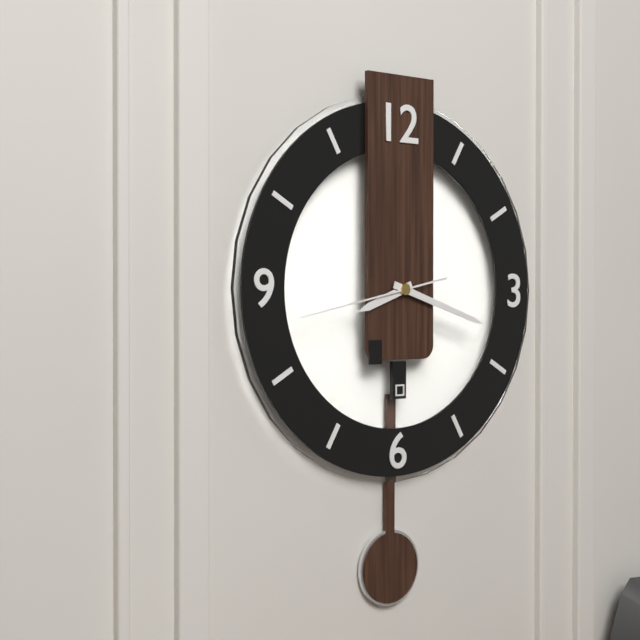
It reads {"hour": 8, "minute": 18, "second": 43}
